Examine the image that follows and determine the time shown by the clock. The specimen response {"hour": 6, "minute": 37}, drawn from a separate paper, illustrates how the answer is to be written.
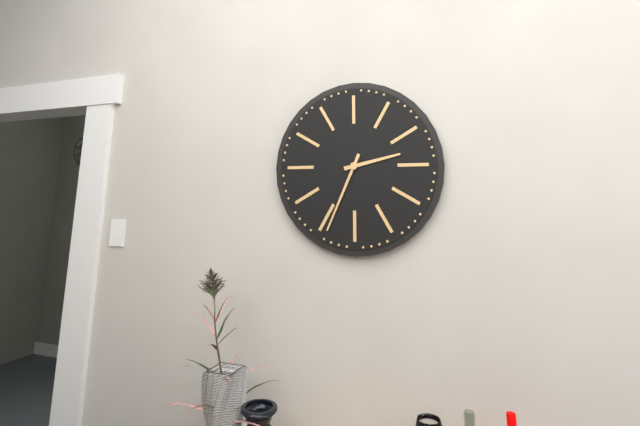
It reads {"hour": 2, "minute": 34}
